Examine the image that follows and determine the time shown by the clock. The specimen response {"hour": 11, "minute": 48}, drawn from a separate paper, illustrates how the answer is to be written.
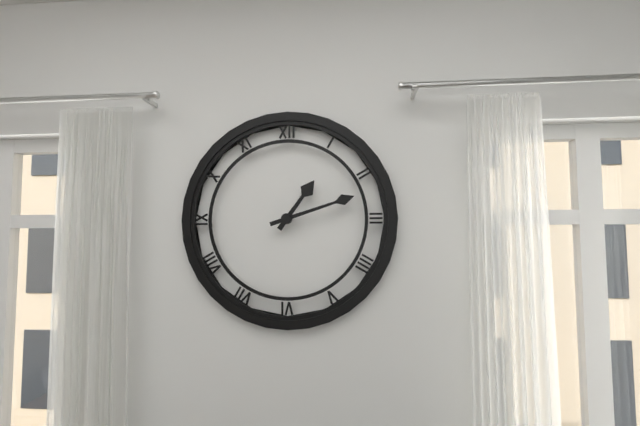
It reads {"hour": 1, "minute": 12}
